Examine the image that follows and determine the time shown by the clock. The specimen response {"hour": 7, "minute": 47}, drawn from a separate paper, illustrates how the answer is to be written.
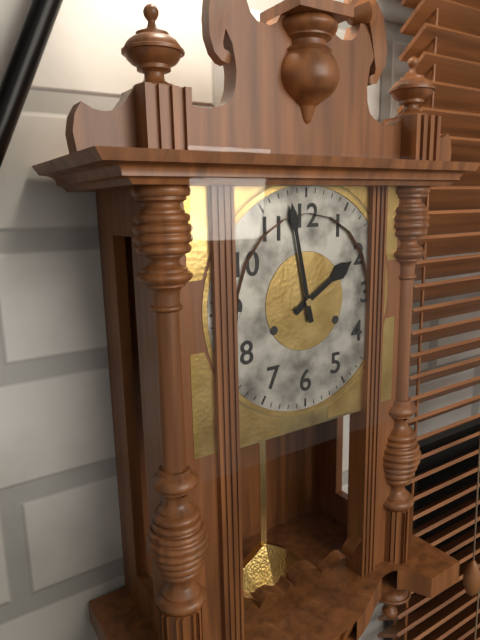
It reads {"hour": 1, "minute": 58}
